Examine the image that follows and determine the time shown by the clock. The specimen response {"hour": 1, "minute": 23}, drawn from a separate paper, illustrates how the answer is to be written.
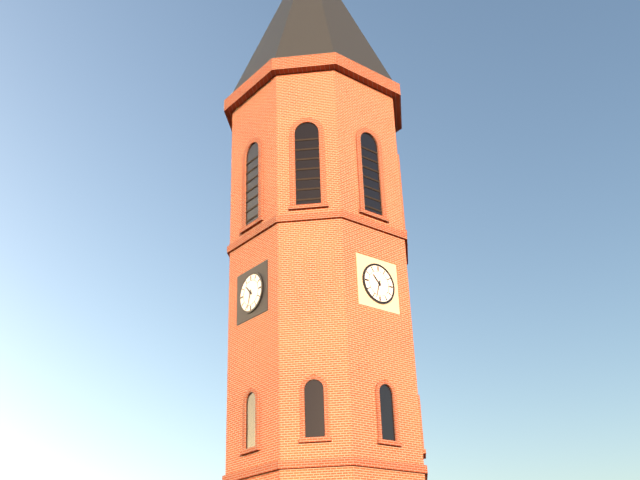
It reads {"hour": 10, "minute": 33}
